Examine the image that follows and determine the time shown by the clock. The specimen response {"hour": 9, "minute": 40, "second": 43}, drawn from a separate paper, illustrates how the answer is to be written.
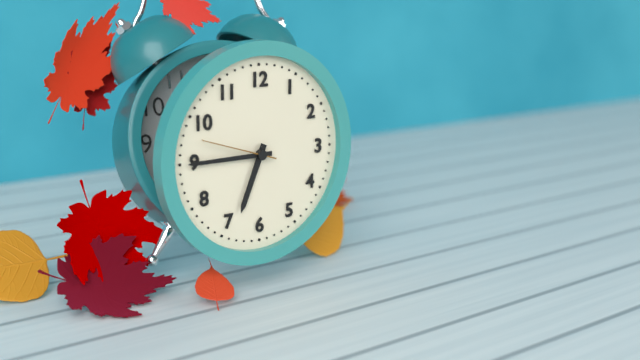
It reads {"hour": 6, "minute": 45, "second": 48}
